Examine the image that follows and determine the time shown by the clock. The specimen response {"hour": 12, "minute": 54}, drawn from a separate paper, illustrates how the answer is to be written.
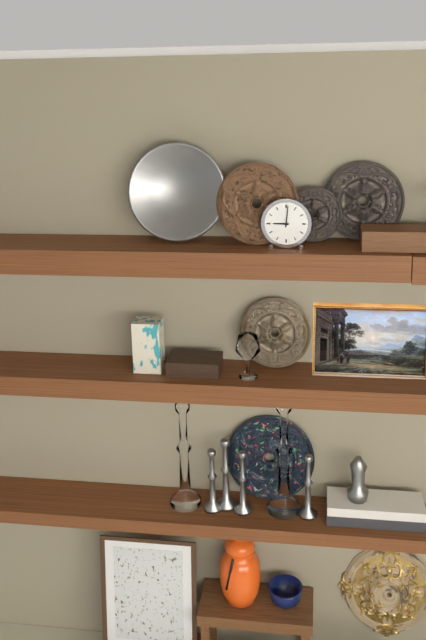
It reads {"hour": 9, "minute": 1}
